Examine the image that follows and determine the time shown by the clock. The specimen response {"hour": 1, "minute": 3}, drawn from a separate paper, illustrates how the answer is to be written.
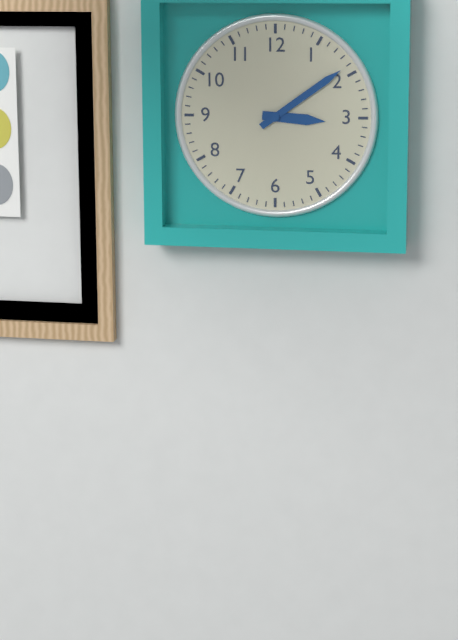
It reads {"hour": 3, "minute": 9}
